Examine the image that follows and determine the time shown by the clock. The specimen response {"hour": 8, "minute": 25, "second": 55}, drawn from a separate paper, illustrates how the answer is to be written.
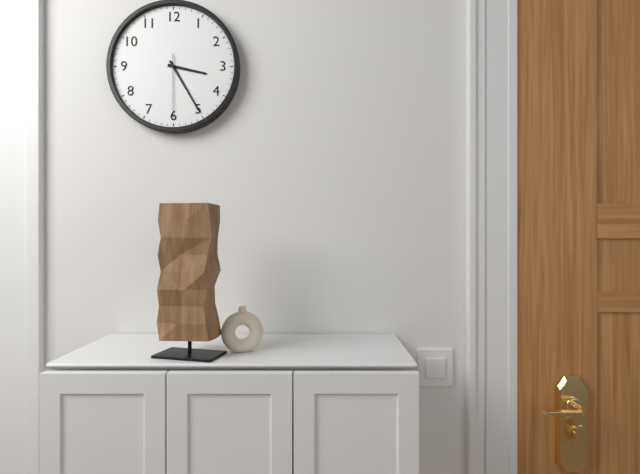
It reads {"hour": 3, "minute": 25, "second": 30}
